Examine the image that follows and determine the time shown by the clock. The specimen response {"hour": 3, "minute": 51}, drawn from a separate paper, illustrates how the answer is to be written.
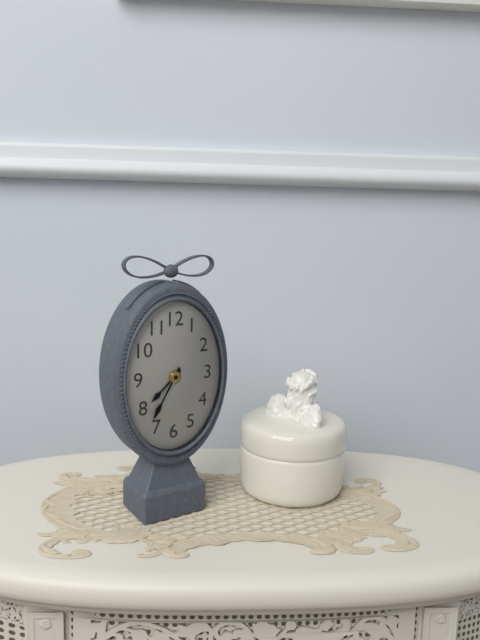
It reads {"hour": 7, "minute": 35}
